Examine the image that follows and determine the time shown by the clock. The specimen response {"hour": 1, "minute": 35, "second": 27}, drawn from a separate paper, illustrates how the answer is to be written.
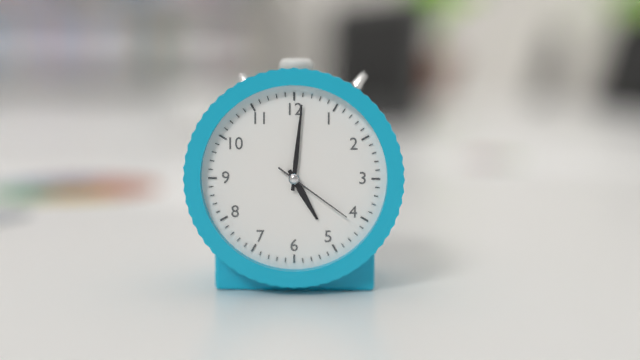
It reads {"hour": 5, "minute": 1, "second": 21}
